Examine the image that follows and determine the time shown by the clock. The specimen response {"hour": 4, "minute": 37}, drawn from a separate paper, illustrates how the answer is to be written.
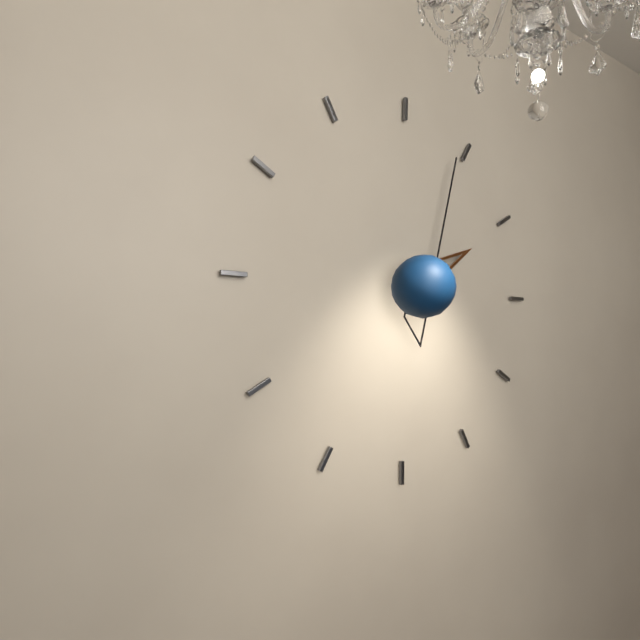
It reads {"hour": 2, "minute": 4}
